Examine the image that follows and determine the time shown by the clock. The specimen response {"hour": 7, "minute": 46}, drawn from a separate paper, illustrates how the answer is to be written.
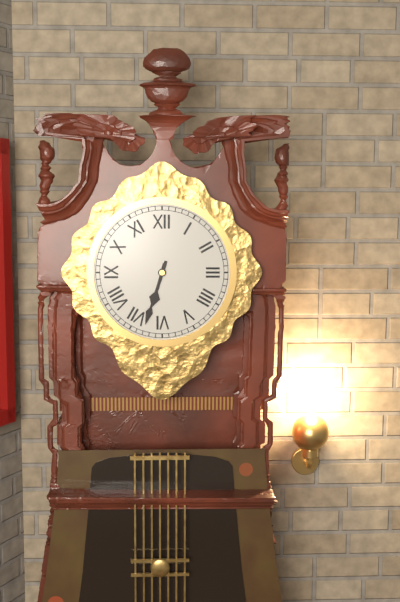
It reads {"hour": 6, "minute": 33}
